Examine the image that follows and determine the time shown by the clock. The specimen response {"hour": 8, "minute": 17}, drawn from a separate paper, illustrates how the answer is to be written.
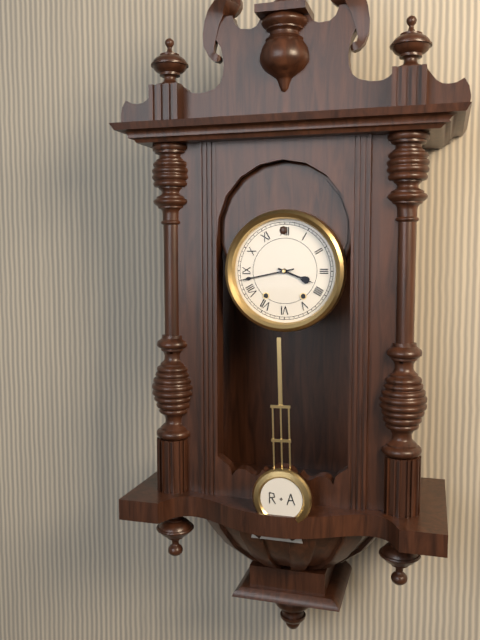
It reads {"hour": 3, "minute": 43}
